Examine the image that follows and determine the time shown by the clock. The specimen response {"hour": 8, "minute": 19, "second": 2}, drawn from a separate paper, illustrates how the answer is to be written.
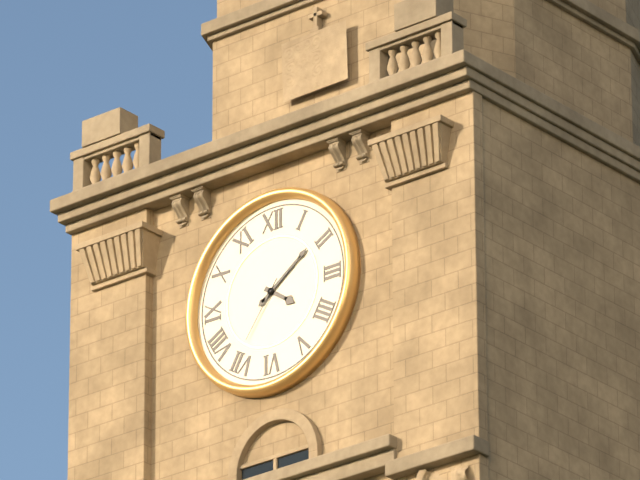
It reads {"hour": 4, "minute": 9, "second": 36}
